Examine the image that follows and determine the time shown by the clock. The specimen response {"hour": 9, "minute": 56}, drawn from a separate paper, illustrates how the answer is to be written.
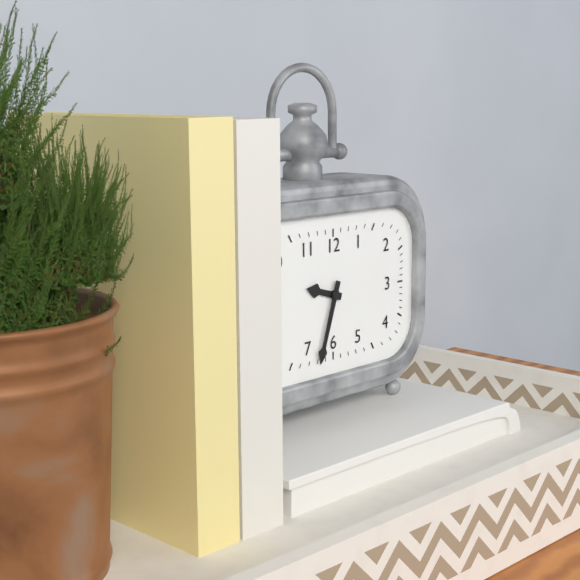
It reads {"hour": 9, "minute": 33}
